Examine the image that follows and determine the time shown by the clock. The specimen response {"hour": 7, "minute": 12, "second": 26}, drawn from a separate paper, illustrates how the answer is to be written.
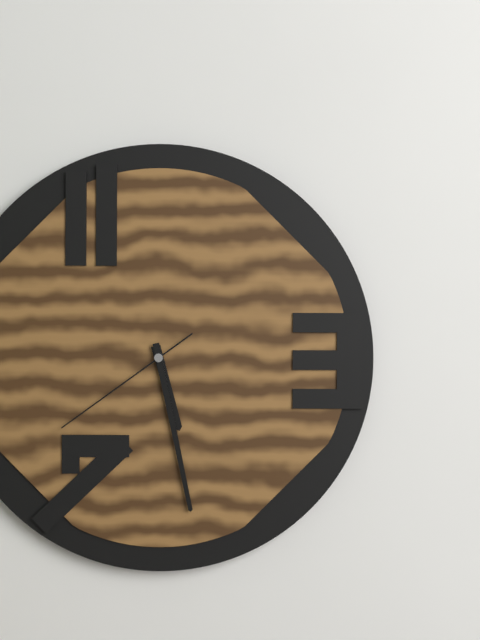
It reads {"hour": 5, "minute": 28, "second": 39}
